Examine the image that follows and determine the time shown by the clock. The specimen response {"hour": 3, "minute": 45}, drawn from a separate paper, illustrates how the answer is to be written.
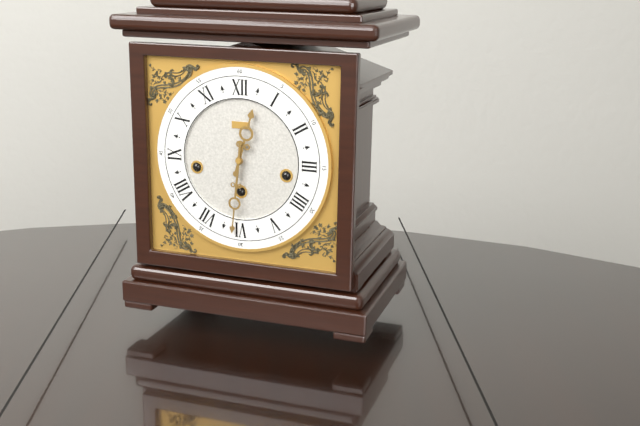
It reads {"hour": 12, "minute": 31}
